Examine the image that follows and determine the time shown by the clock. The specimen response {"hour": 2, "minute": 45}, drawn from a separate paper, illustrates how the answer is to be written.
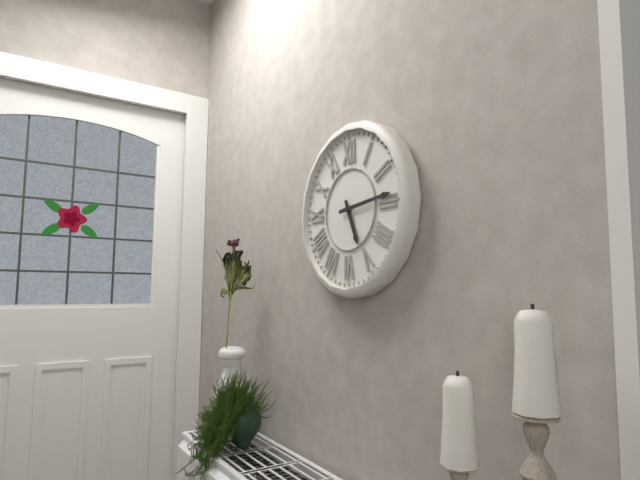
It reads {"hour": 5, "minute": 14}
